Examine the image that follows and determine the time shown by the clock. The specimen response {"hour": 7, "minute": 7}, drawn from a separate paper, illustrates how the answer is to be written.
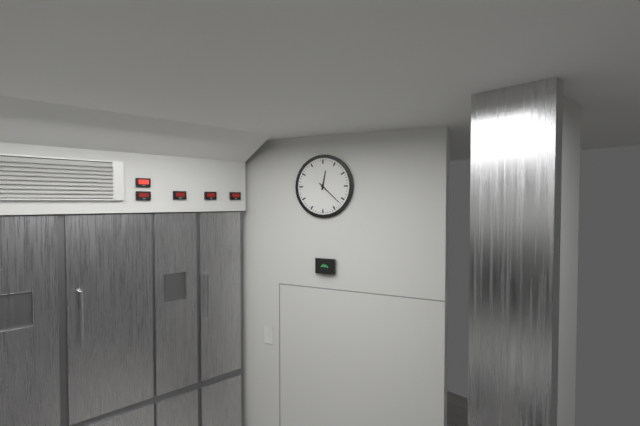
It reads {"hour": 12, "minute": 22}
